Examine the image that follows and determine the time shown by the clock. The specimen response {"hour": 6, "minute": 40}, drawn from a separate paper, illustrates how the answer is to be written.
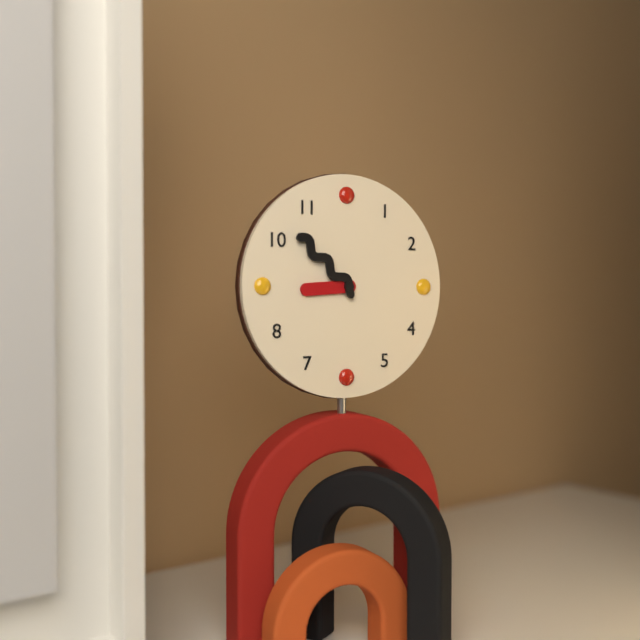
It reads {"hour": 8, "minute": 52}
